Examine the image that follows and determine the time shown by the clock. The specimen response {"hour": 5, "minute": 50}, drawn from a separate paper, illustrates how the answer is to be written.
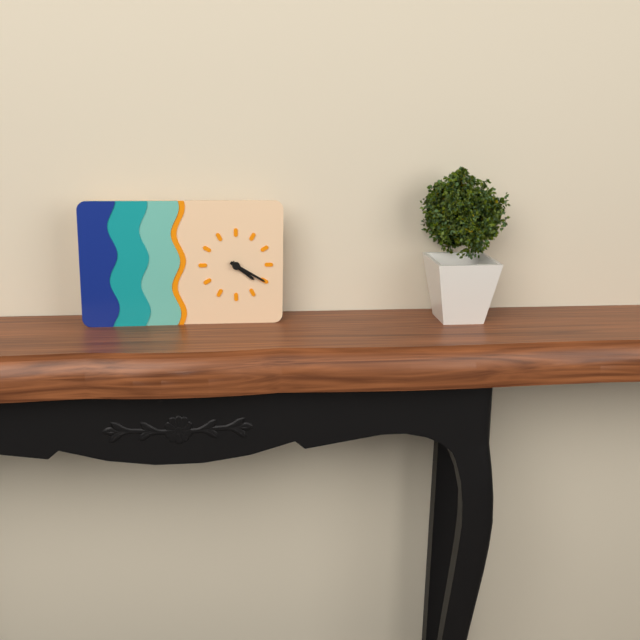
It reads {"hour": 4, "minute": 20}
